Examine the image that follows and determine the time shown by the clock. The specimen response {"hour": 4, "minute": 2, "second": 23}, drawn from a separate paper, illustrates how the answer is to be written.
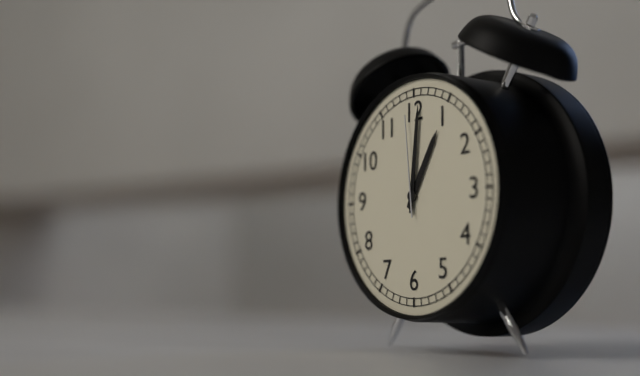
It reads {"hour": 1, "minute": 1, "second": 59}
